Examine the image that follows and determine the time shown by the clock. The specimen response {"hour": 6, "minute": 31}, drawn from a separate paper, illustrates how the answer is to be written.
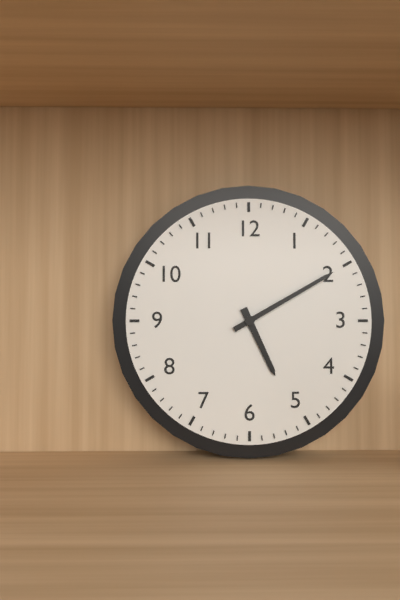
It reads {"hour": 5, "minute": 10}
